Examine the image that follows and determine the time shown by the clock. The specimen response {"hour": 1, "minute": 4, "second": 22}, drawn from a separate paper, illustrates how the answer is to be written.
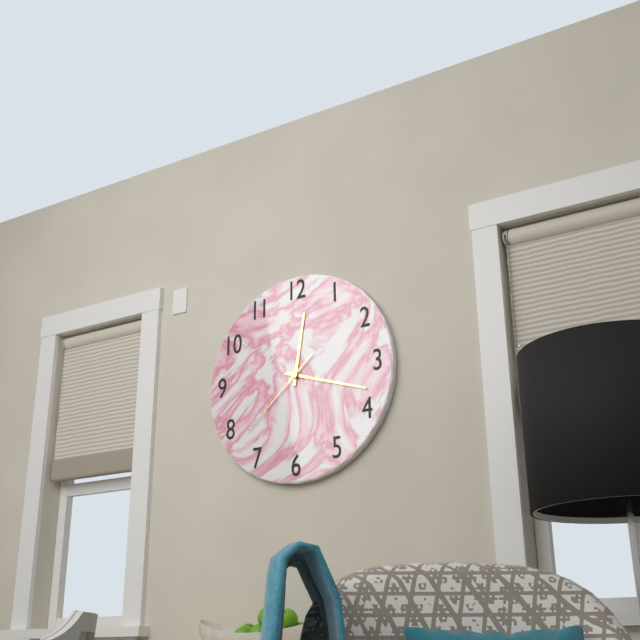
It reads {"hour": 12, "minute": 18, "second": 38}
